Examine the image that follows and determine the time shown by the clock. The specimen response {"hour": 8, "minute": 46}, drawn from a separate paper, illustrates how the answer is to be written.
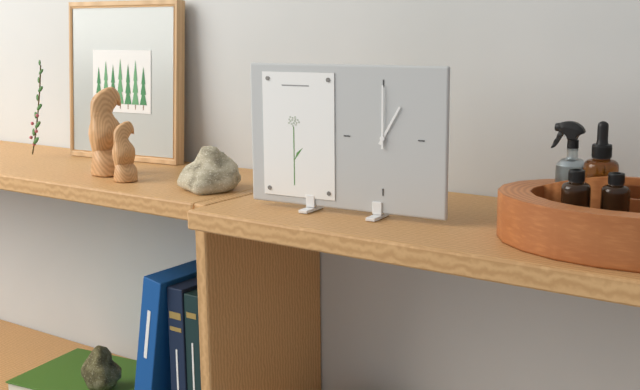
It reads {"hour": 1, "minute": 0}
